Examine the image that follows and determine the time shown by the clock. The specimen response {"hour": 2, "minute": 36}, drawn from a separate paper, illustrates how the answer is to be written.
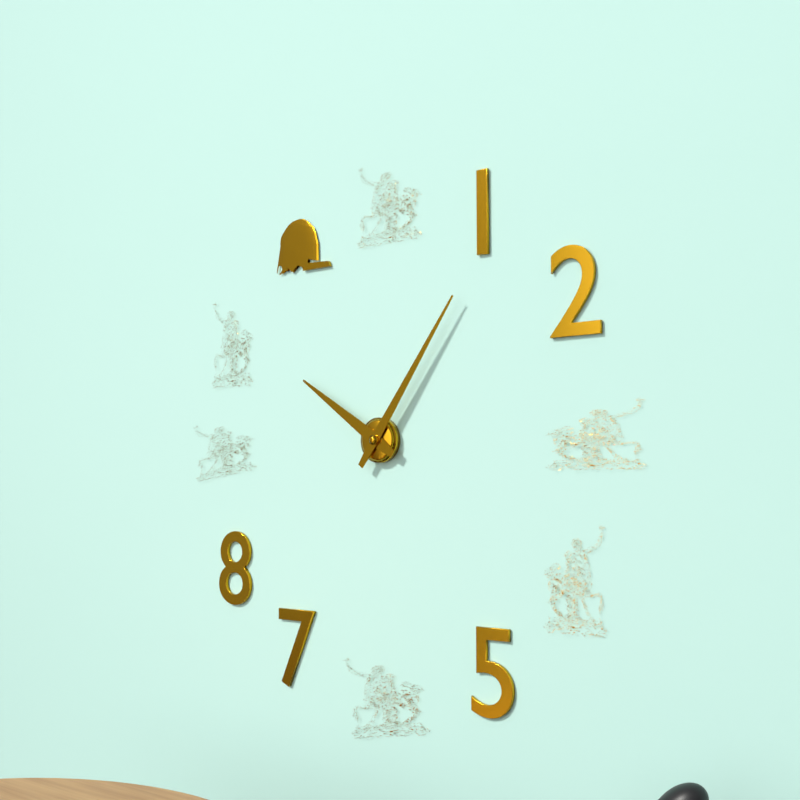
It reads {"hour": 10, "minute": 6}
